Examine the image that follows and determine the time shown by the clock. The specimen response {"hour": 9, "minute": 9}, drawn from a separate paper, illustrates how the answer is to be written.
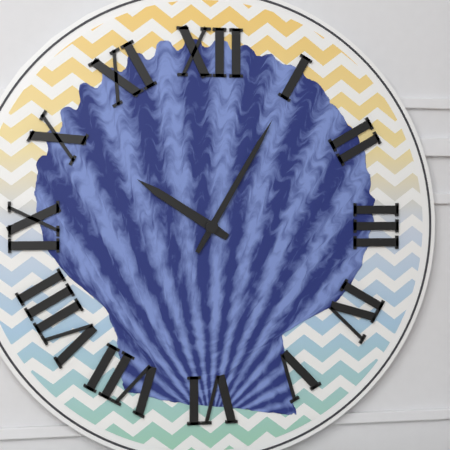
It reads {"hour": 10, "minute": 5}
